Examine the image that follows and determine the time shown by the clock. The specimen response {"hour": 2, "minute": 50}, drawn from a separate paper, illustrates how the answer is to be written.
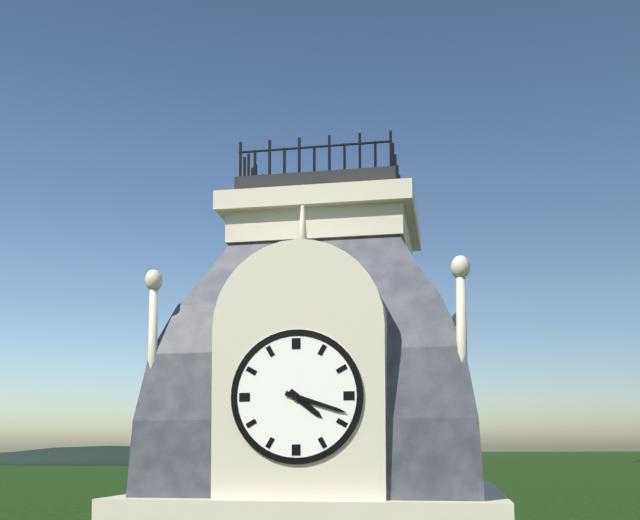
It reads {"hour": 4, "minute": 18}
